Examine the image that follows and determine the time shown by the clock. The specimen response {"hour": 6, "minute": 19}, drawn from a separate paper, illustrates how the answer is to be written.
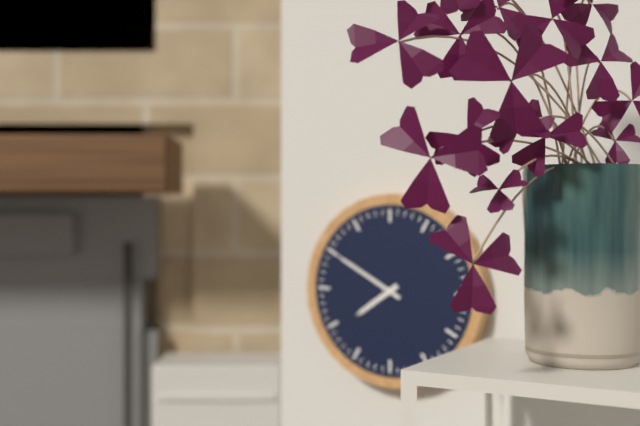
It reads {"hour": 7, "minute": 50}
